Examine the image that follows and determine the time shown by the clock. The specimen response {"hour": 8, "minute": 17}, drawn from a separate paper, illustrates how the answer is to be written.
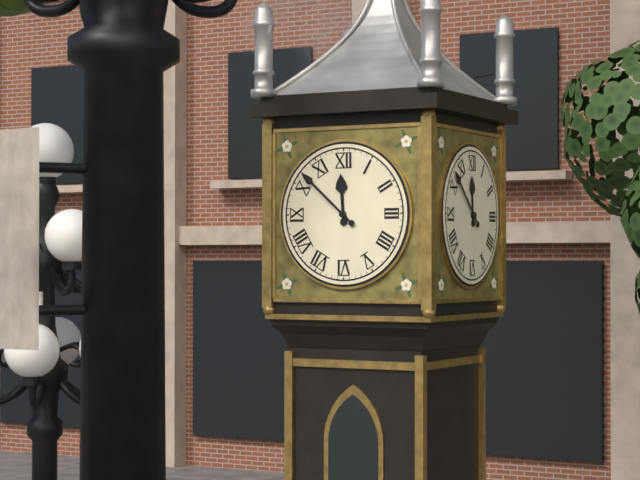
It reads {"hour": 11, "minute": 52}
